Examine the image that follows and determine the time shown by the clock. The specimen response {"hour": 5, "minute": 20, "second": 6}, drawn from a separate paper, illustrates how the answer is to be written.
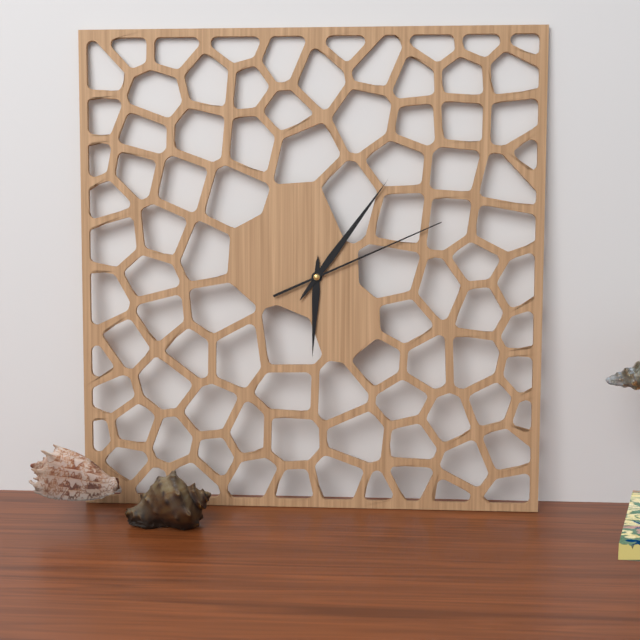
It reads {"hour": 6, "minute": 6, "second": 11}
